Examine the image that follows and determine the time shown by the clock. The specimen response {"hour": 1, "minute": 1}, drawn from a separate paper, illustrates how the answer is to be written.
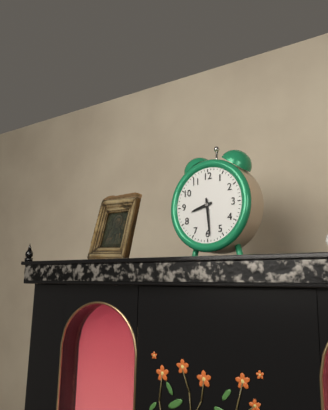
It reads {"hour": 8, "minute": 29}
